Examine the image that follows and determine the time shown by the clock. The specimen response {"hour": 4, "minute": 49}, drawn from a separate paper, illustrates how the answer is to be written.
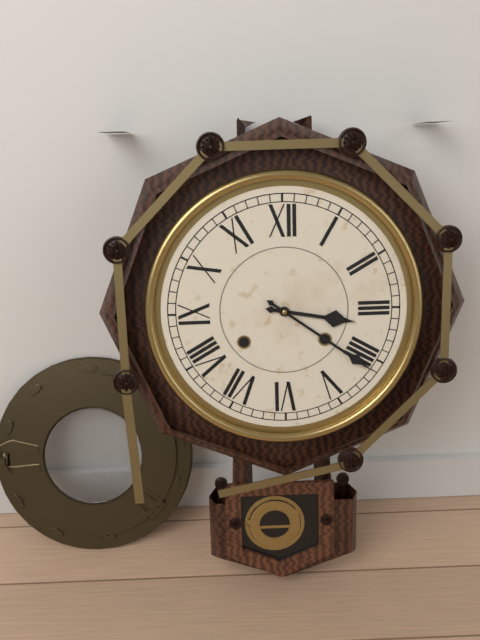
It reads {"hour": 3, "minute": 21}
